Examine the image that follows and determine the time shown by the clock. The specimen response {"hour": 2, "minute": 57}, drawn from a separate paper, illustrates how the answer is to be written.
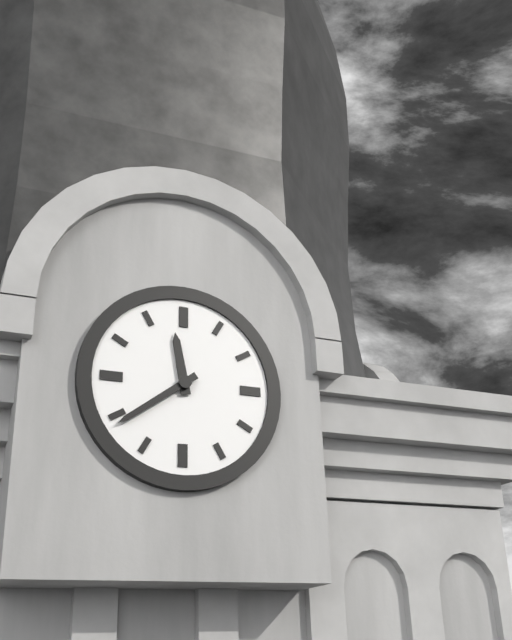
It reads {"hour": 11, "minute": 39}
